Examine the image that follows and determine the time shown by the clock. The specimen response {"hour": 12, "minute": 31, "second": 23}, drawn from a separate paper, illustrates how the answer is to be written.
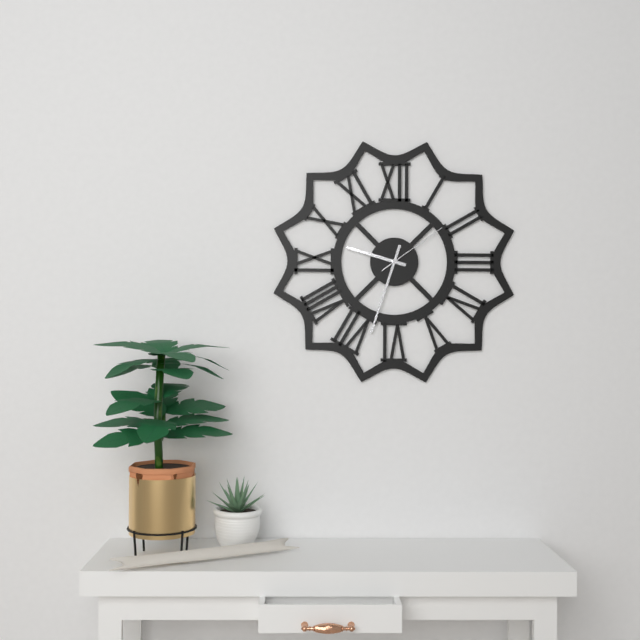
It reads {"hour": 9, "minute": 33, "second": 9}
